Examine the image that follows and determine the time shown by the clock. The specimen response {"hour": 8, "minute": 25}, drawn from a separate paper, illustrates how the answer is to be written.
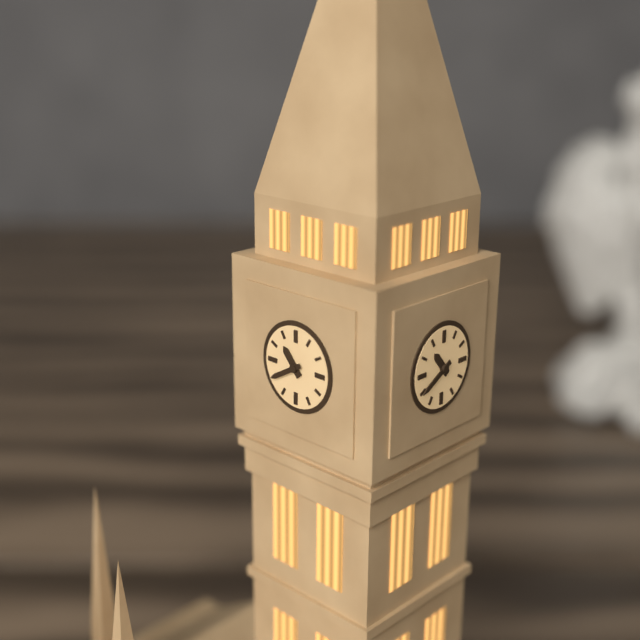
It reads {"hour": 10, "minute": 40}
